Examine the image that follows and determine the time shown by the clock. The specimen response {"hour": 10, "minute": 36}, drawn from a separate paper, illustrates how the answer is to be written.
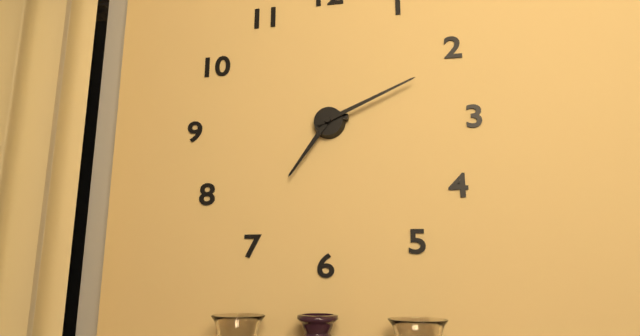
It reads {"hour": 7, "minute": 11}
